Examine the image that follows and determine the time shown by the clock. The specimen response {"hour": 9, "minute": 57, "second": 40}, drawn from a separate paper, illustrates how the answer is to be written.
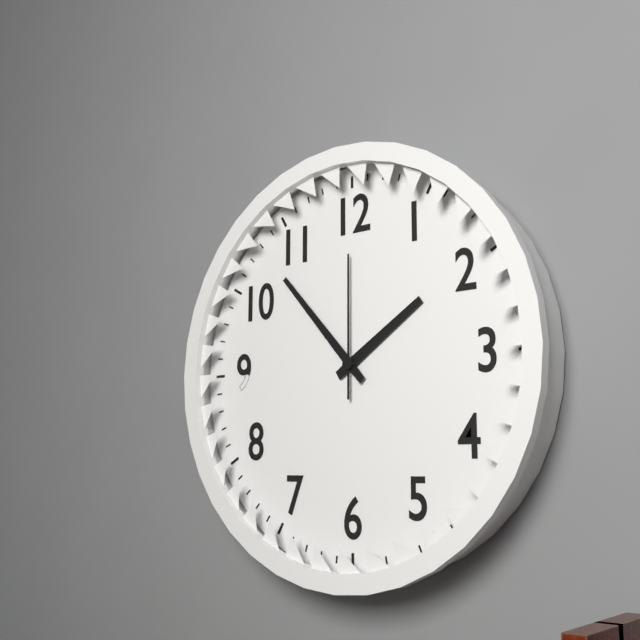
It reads {"hour": 1, "minute": 53, "second": 0}
